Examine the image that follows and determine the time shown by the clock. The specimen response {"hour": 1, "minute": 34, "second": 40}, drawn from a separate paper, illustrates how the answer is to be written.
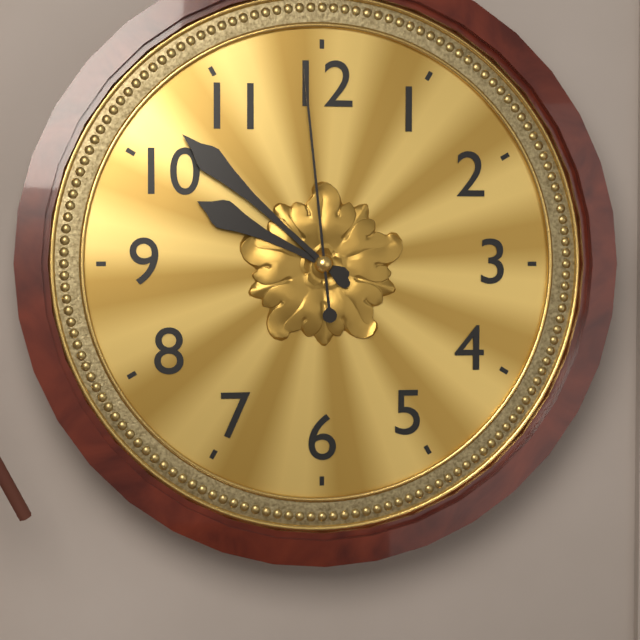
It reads {"hour": 9, "minute": 52, "second": 59}
